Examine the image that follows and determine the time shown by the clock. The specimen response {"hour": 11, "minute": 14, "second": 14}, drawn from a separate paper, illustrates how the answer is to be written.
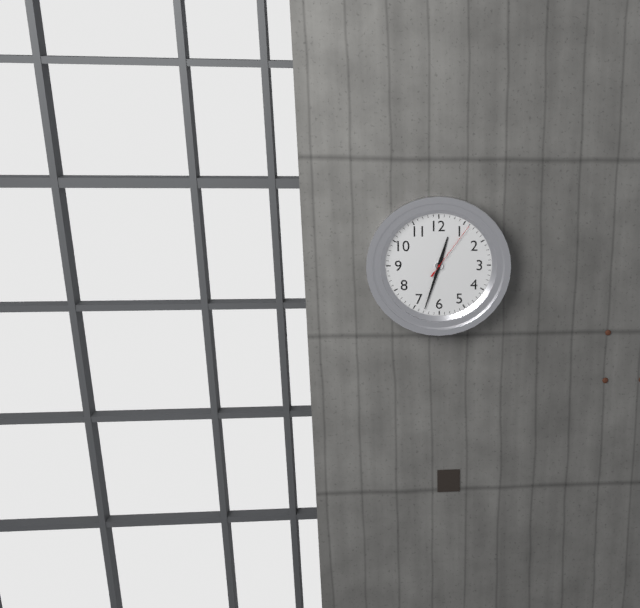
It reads {"hour": 12, "minute": 33, "second": 6}
